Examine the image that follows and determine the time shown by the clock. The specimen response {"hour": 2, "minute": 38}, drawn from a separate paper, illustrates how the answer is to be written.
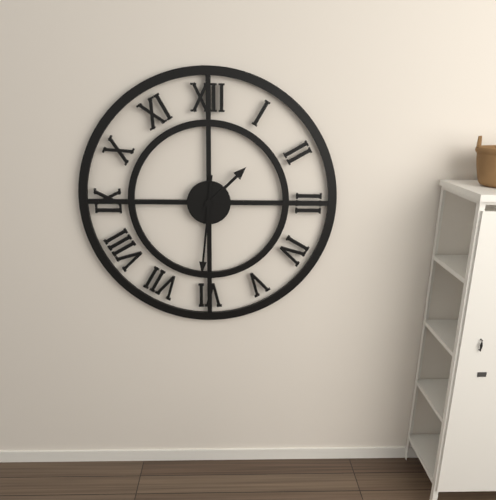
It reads {"hour": 1, "minute": 31}
